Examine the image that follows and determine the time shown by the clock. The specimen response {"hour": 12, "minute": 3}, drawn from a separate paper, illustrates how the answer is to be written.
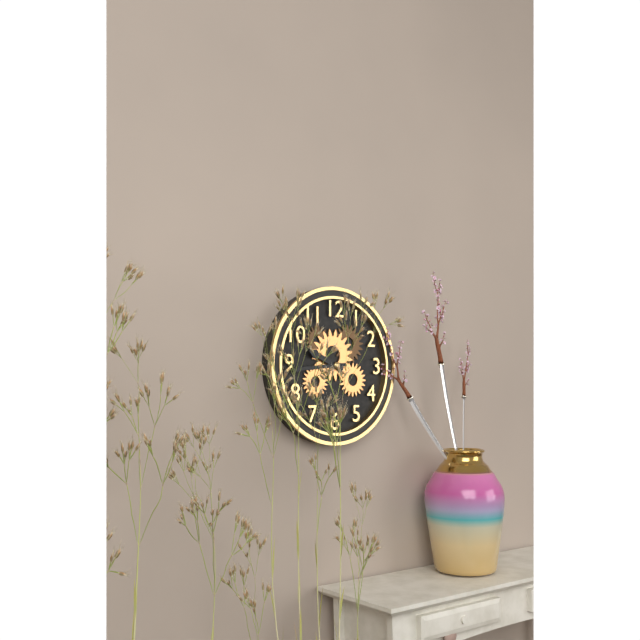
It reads {"hour": 9, "minute": 44}
